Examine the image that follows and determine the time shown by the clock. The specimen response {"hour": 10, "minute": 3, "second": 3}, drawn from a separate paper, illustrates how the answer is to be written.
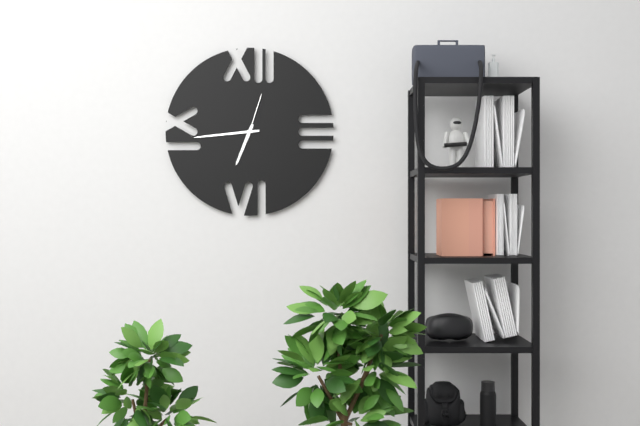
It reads {"hour": 6, "minute": 44, "second": 3}
